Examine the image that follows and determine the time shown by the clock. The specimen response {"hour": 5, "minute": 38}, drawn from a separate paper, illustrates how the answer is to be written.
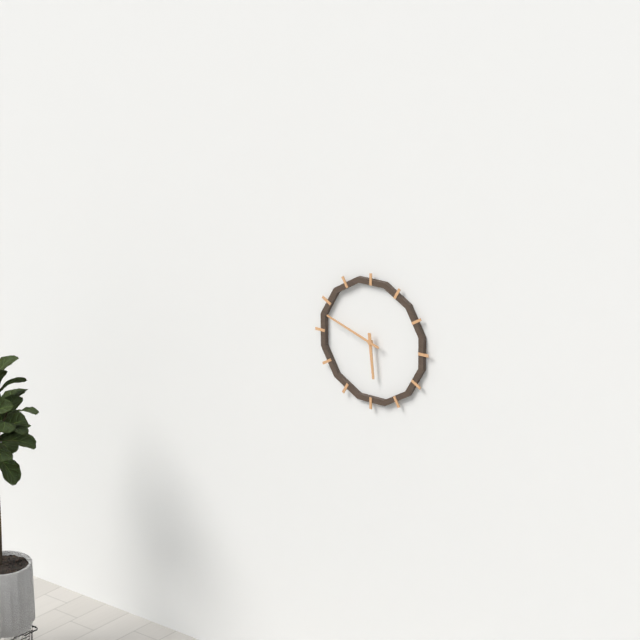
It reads {"hour": 5, "minute": 48}
